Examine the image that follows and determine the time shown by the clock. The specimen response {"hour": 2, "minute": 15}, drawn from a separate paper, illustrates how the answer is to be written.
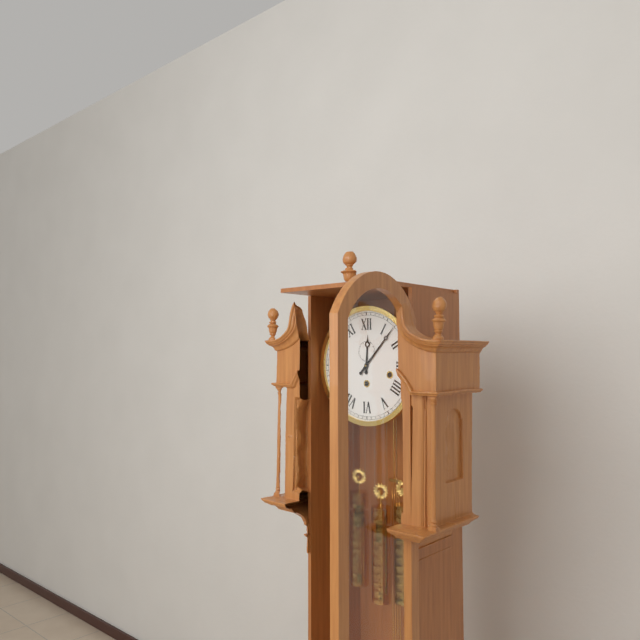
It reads {"hour": 12, "minute": 7}
